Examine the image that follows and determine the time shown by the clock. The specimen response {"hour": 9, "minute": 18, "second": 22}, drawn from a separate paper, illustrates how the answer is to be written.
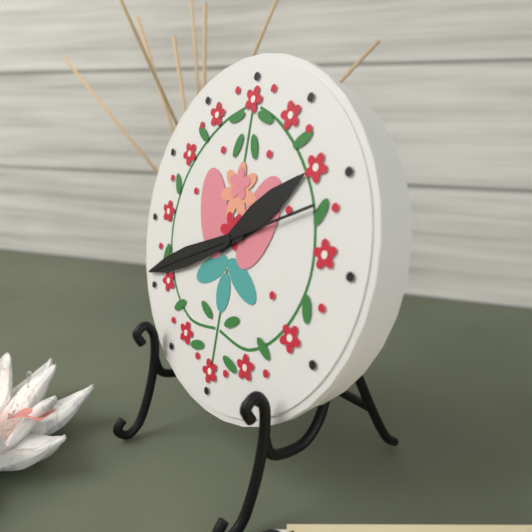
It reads {"hour": 1, "minute": 41, "second": 41}
